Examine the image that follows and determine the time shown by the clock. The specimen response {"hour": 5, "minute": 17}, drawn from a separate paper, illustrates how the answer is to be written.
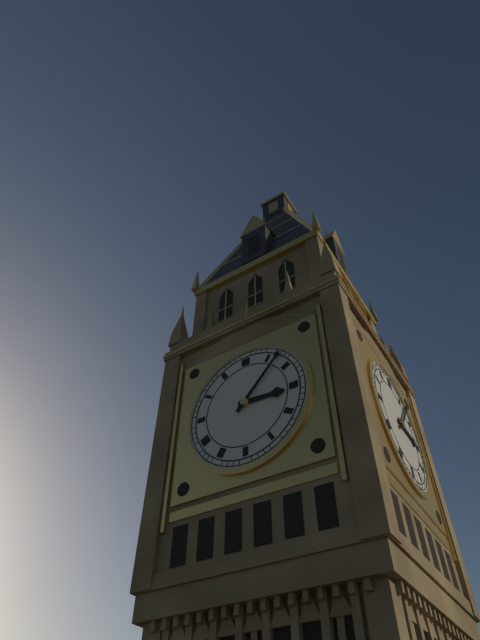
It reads {"hour": 3, "minute": 7}
